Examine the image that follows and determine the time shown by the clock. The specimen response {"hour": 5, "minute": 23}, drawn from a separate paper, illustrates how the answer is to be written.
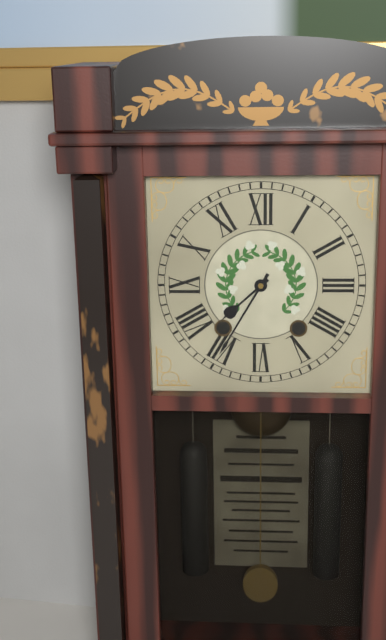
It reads {"hour": 7, "minute": 35}
